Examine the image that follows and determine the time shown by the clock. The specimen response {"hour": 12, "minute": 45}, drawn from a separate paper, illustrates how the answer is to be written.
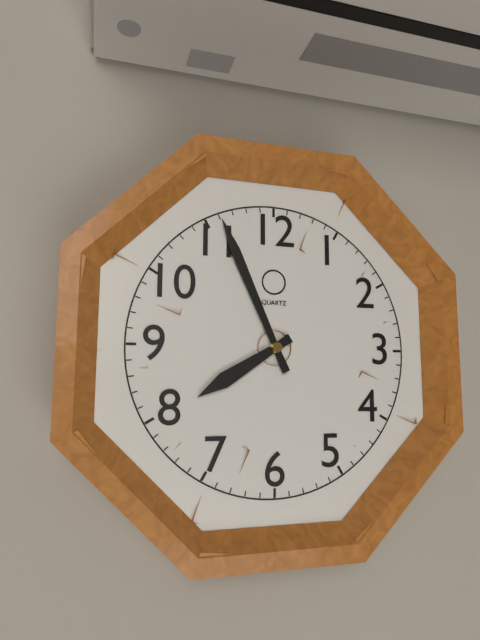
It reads {"hour": 7, "minute": 56}
